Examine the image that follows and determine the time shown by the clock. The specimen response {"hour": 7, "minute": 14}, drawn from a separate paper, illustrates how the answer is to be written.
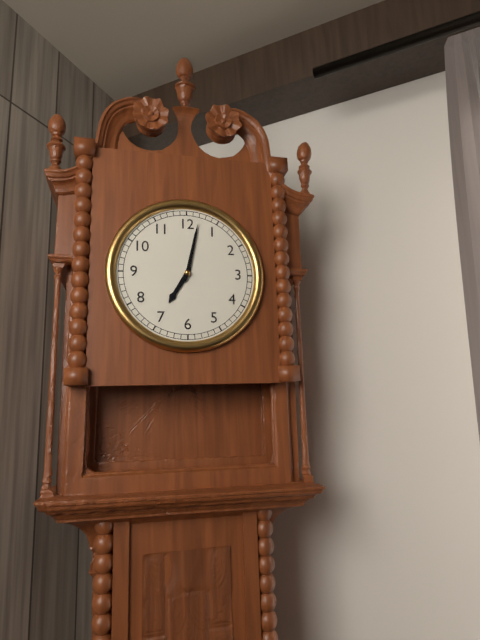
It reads {"hour": 7, "minute": 2}
